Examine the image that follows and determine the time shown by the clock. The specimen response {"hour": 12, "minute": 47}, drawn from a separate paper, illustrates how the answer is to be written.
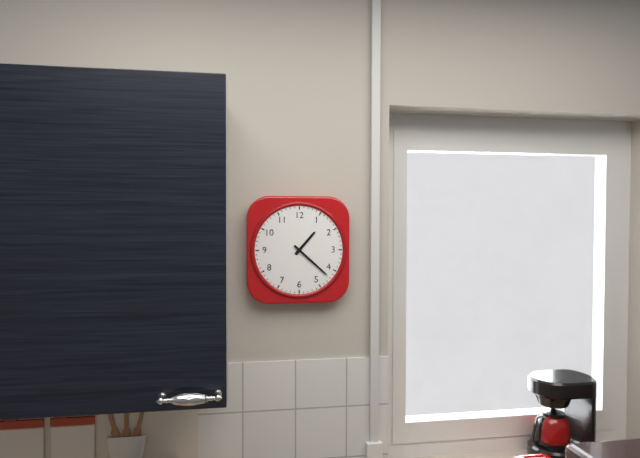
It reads {"hour": 1, "minute": 22}
